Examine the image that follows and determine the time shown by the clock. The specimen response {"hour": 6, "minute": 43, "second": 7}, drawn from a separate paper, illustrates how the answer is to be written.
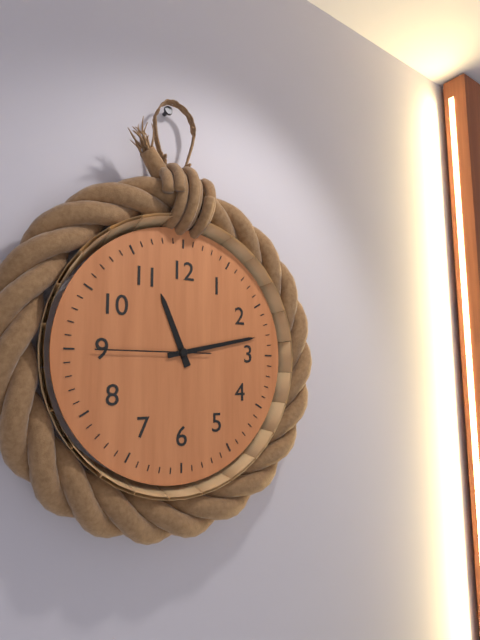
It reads {"hour": 11, "minute": 13, "second": 45}
